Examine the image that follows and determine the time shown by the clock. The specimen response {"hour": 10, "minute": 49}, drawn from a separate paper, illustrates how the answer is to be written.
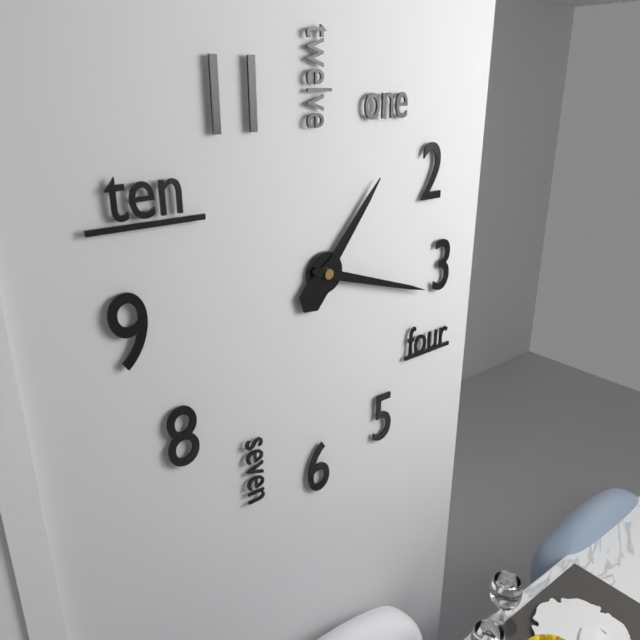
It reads {"hour": 1, "minute": 18}
